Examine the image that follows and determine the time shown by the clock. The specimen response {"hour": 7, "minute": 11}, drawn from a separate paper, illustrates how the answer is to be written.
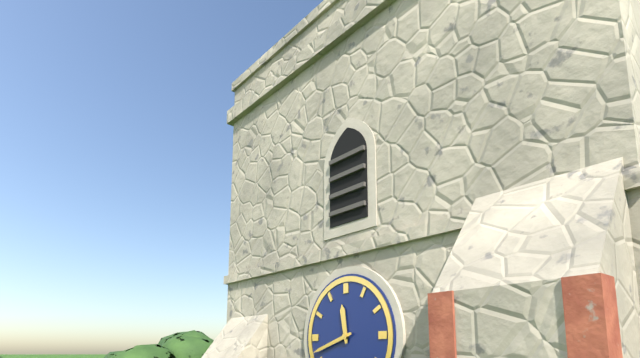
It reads {"hour": 11, "minute": 42}
